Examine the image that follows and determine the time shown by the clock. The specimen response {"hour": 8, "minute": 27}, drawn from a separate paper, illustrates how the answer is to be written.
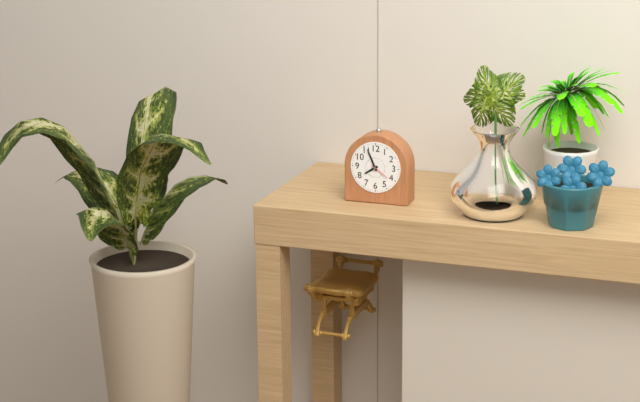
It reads {"hour": 7, "minute": 56}
